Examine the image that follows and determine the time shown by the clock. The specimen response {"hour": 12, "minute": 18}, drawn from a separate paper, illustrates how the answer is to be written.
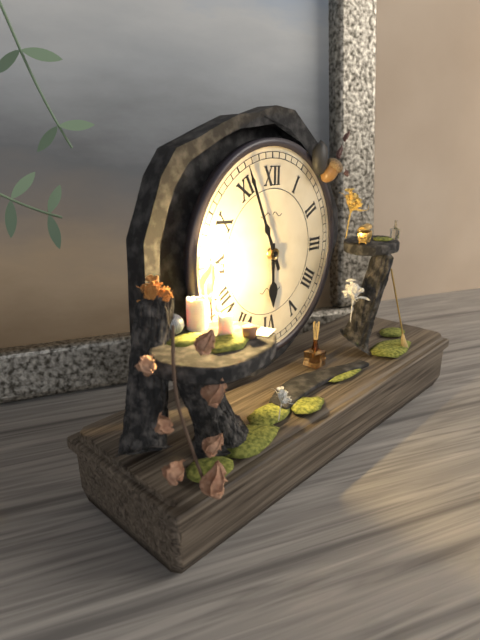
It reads {"hour": 5, "minute": 56}
